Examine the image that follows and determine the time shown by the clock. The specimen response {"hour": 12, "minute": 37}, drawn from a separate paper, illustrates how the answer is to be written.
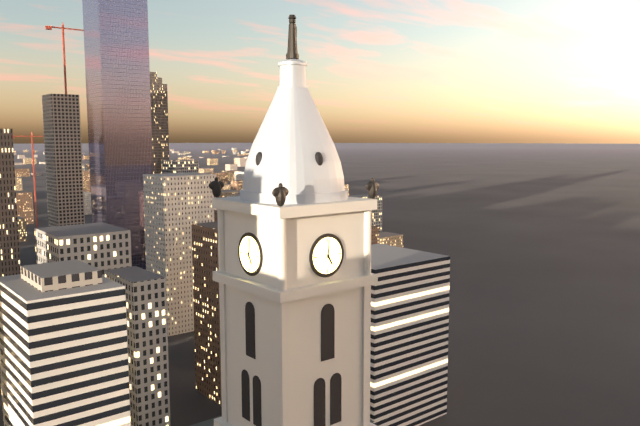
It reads {"hour": 5, "minute": 1}
